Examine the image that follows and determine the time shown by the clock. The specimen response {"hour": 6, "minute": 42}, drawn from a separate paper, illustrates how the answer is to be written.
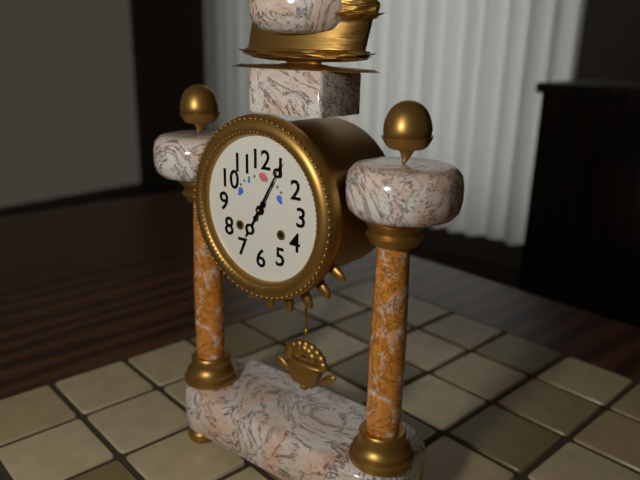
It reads {"hour": 7, "minute": 5}
